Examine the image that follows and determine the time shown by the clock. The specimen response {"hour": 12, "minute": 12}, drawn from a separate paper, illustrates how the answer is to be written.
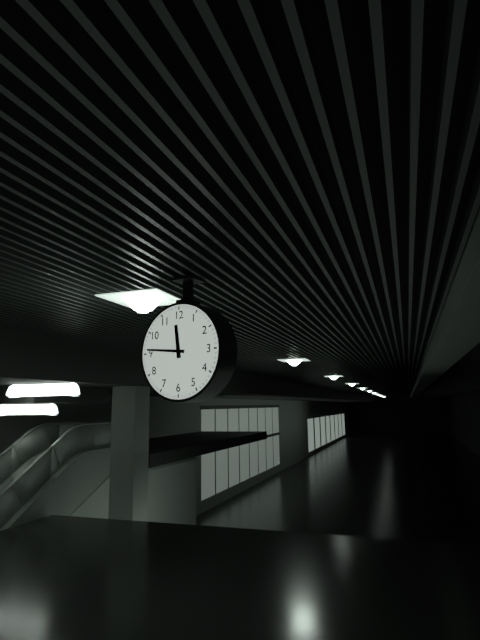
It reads {"hour": 11, "minute": 46}
